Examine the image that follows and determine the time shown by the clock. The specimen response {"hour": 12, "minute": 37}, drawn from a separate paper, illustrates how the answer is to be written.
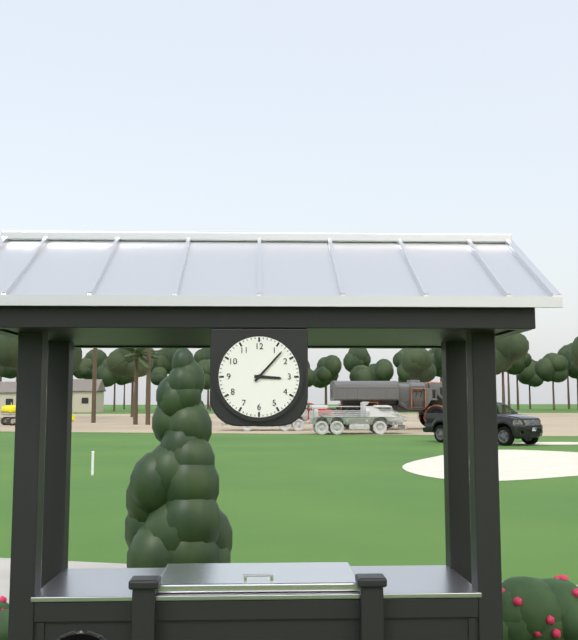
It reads {"hour": 3, "minute": 7}
